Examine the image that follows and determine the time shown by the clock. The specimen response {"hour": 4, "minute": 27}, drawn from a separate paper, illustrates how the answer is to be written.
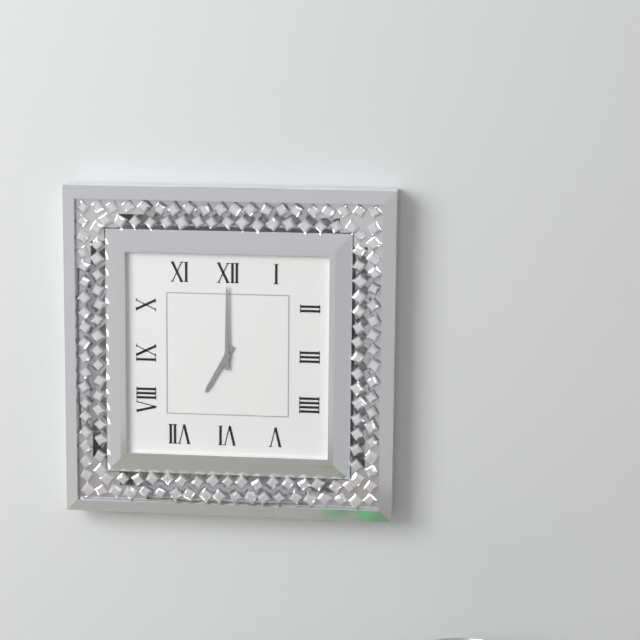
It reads {"hour": 7, "minute": 0}
